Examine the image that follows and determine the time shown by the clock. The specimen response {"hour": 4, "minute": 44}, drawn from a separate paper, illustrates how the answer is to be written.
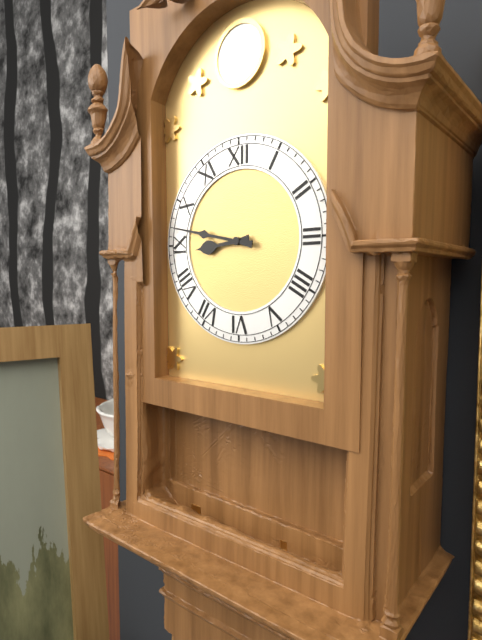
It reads {"hour": 8, "minute": 47}
